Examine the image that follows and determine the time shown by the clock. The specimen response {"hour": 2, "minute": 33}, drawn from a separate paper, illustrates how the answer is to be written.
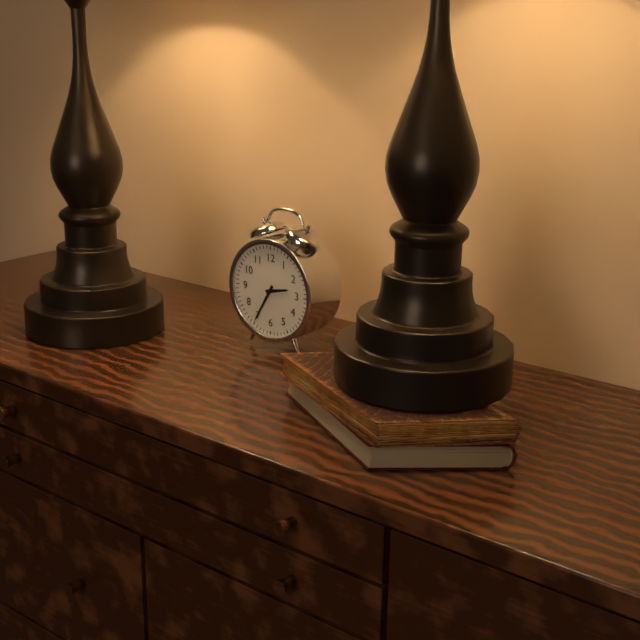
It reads {"hour": 2, "minute": 35}
